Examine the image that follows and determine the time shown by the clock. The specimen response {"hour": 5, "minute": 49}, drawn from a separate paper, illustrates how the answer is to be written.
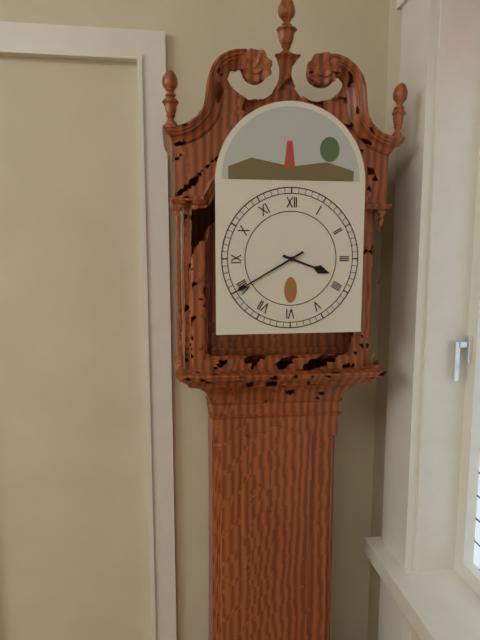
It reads {"hour": 3, "minute": 40}
